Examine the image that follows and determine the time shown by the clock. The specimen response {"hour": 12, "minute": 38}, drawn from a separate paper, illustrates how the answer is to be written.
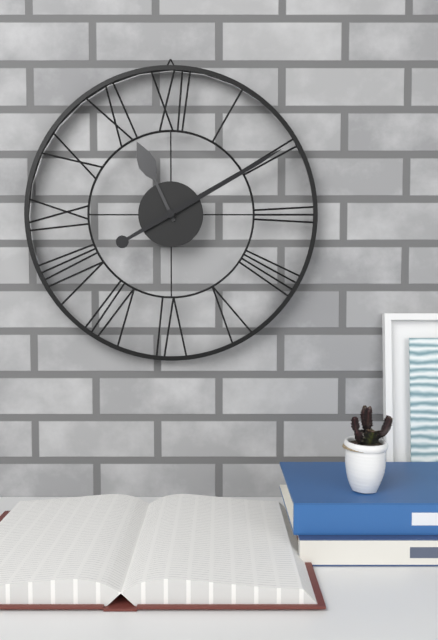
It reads {"hour": 11, "minute": 10}
